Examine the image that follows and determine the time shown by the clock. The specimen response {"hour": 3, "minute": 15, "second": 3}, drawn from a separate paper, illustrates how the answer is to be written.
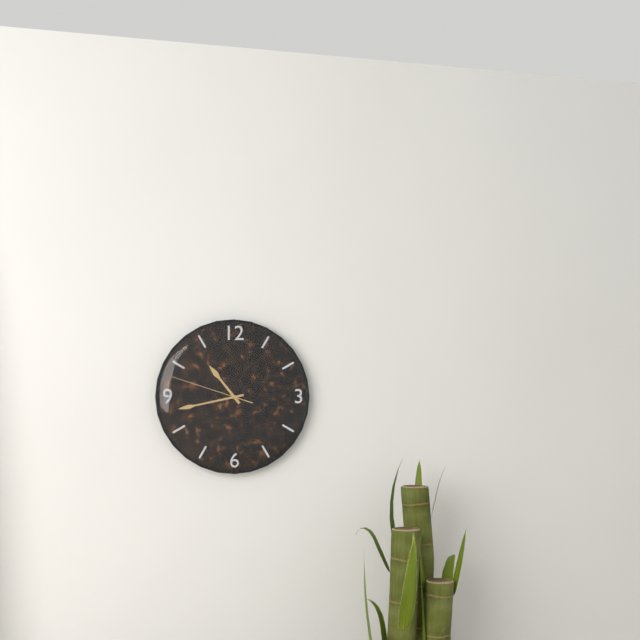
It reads {"hour": 10, "minute": 43, "second": 48}
